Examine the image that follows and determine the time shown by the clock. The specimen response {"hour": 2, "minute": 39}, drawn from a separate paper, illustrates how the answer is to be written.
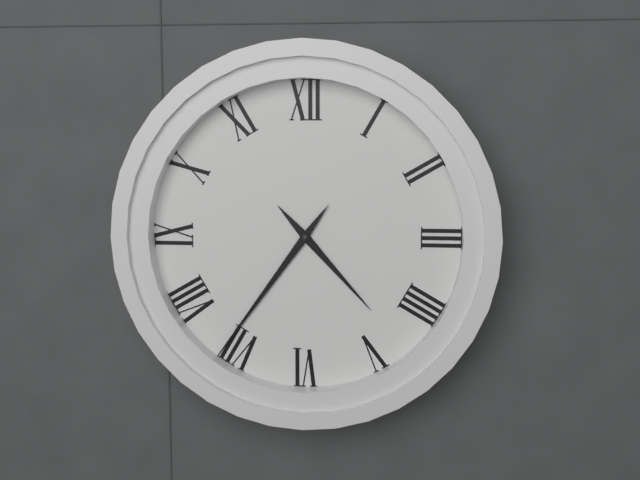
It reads {"hour": 4, "minute": 36}
